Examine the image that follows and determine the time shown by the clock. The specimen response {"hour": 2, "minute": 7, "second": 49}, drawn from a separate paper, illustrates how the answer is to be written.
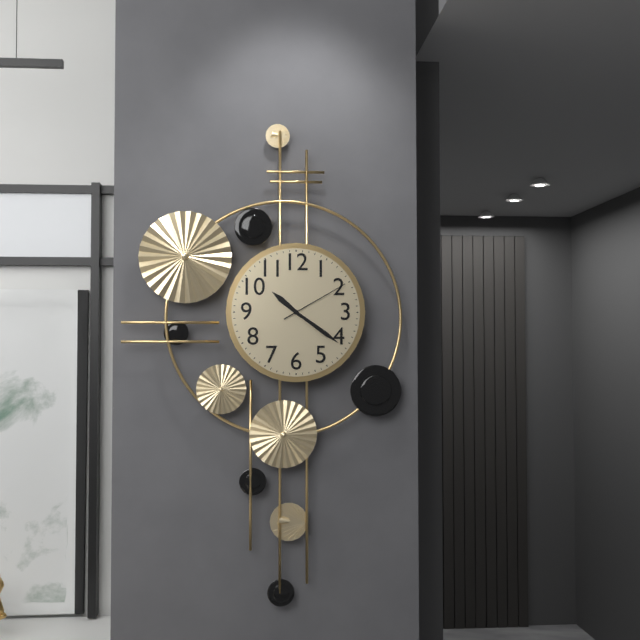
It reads {"hour": 10, "minute": 21, "second": 10}
